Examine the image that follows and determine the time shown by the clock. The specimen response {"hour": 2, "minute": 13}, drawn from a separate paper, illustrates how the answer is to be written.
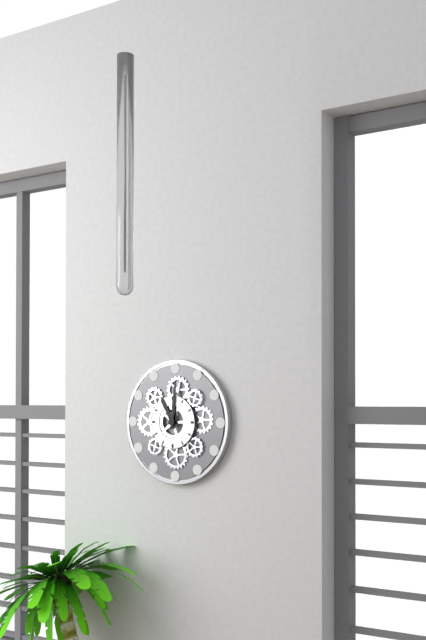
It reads {"hour": 11, "minute": 1}
